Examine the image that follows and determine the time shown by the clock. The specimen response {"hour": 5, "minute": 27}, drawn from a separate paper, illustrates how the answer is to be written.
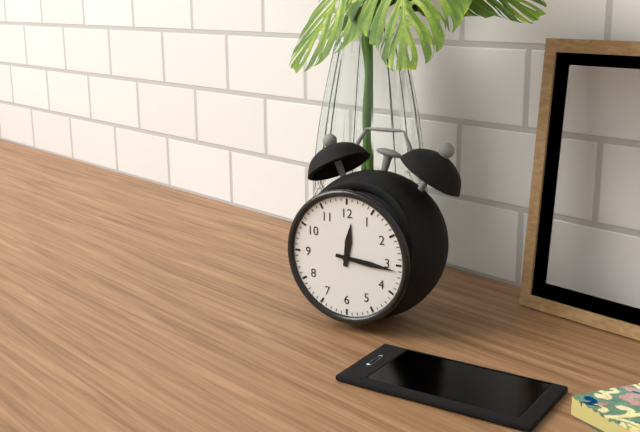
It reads {"hour": 12, "minute": 16}
